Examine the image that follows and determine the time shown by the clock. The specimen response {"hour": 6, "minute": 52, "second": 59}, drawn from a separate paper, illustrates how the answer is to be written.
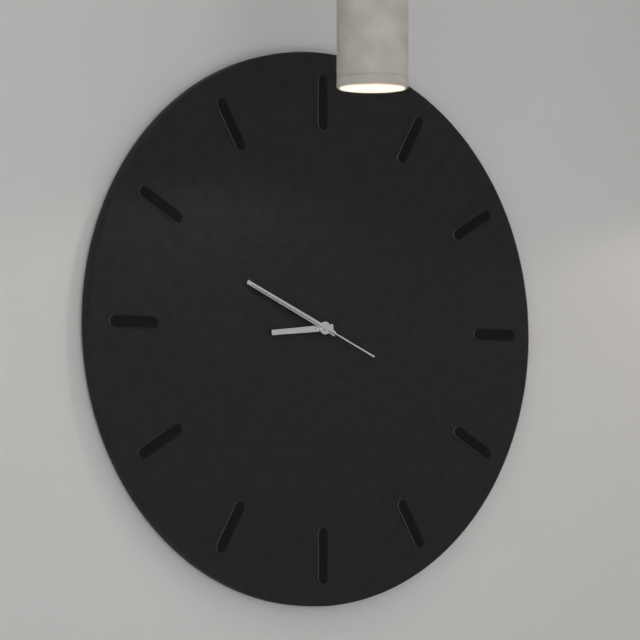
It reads {"hour": 8, "minute": 49, "second": 49}
